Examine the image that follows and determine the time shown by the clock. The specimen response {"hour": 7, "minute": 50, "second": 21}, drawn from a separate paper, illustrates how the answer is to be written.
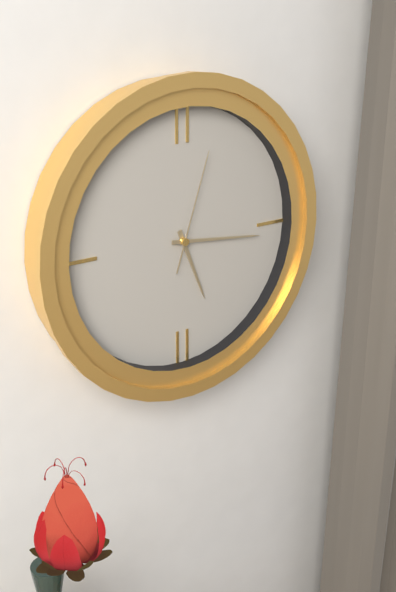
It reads {"hour": 5, "minute": 16, "second": 3}
